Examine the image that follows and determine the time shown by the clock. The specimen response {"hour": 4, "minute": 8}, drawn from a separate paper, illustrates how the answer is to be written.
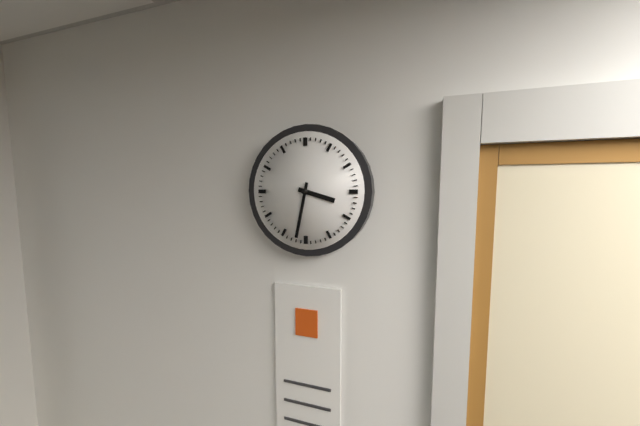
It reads {"hour": 3, "minute": 32}
